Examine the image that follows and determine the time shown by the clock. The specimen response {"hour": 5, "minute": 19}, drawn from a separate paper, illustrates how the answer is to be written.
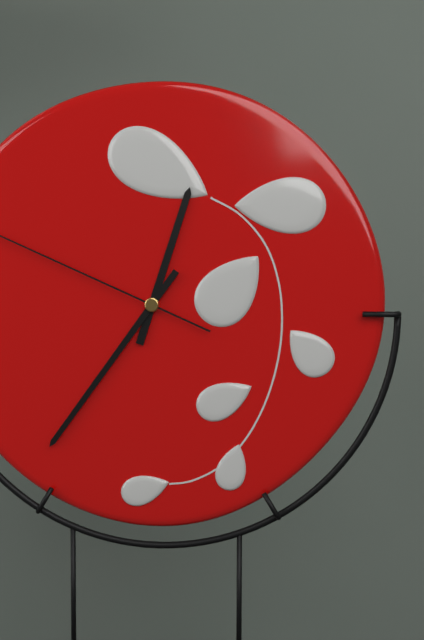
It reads {"hour": 12, "minute": 36}
